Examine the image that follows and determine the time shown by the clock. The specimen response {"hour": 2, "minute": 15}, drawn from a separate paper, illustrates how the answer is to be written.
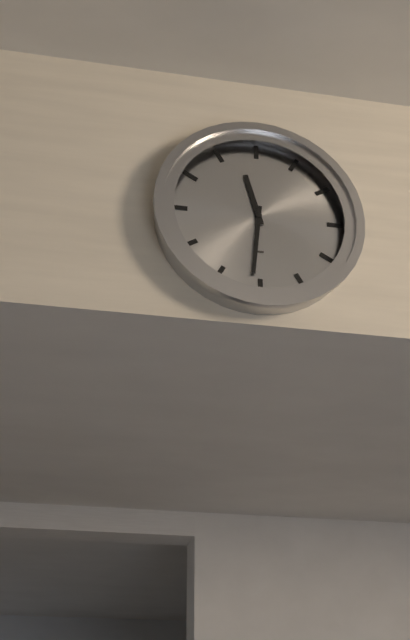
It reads {"hour": 11, "minute": 31}
